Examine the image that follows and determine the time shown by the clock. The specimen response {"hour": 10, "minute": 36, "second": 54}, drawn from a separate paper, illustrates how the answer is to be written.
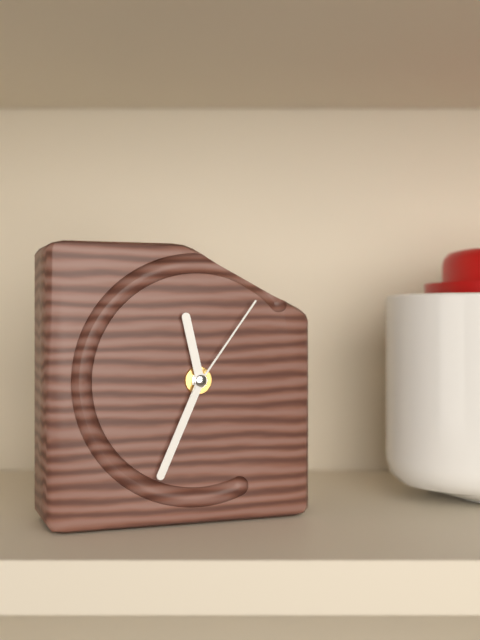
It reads {"hour": 11, "minute": 34, "second": 6}
